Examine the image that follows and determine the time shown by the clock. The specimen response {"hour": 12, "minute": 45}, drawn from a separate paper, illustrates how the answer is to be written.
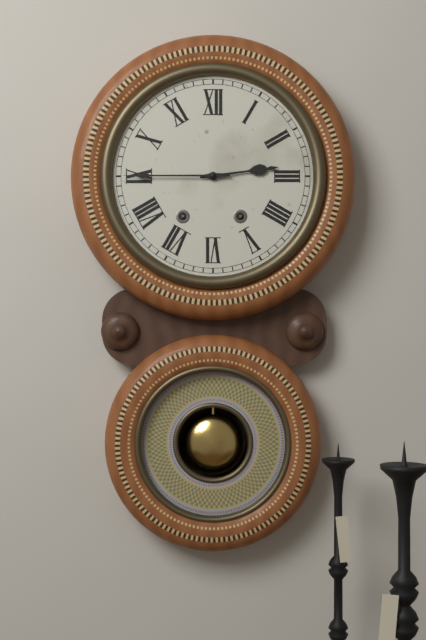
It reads {"hour": 2, "minute": 45}
